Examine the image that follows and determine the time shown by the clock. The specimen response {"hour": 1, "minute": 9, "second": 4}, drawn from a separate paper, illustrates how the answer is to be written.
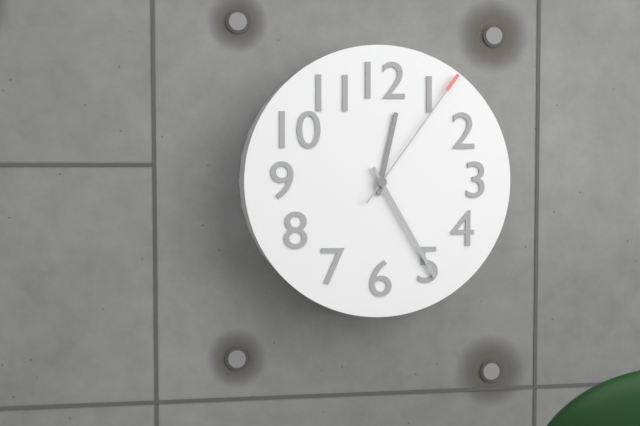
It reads {"hour": 12, "minute": 25, "second": 6}
